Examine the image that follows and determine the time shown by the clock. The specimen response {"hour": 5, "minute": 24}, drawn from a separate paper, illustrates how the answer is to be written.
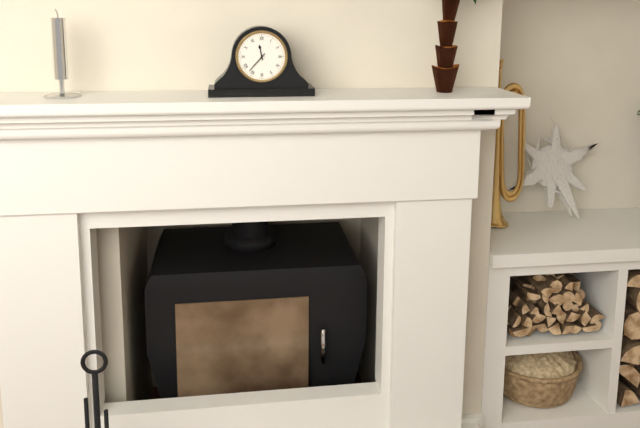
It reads {"hour": 11, "minute": 37}
